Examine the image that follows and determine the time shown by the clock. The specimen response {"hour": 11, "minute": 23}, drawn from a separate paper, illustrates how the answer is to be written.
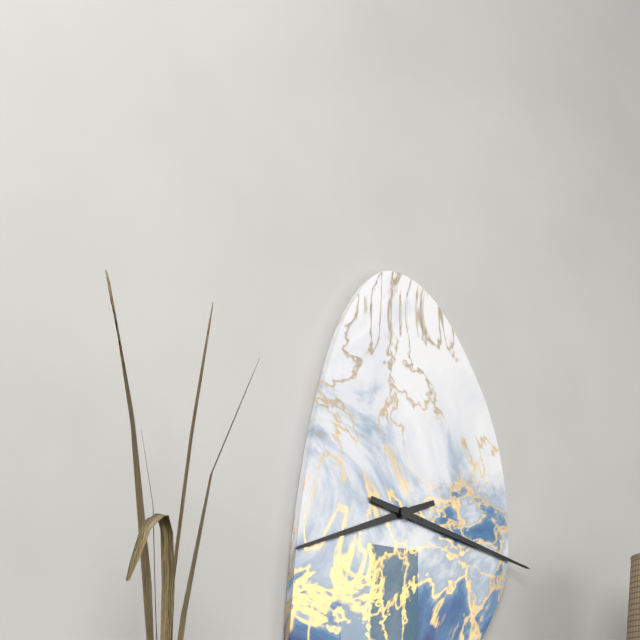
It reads {"hour": 8, "minute": 17}
